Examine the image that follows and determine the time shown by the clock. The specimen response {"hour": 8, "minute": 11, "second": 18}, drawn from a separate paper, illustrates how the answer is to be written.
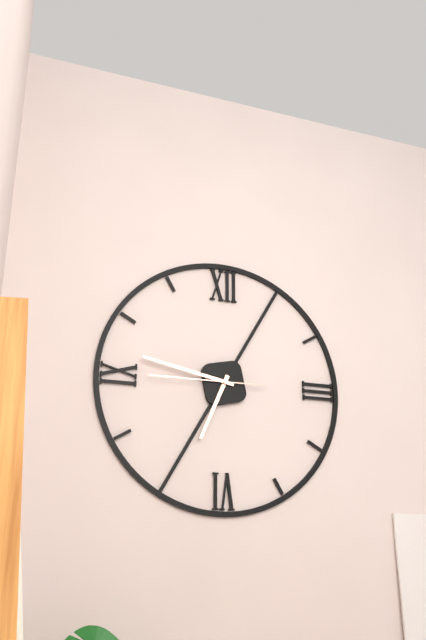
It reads {"hour": 6, "minute": 47, "second": 45}
